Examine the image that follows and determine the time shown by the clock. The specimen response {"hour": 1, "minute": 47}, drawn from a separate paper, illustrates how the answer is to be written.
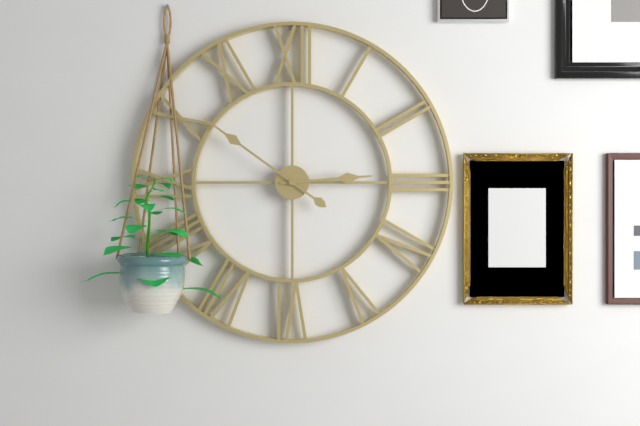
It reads {"hour": 2, "minute": 51}
